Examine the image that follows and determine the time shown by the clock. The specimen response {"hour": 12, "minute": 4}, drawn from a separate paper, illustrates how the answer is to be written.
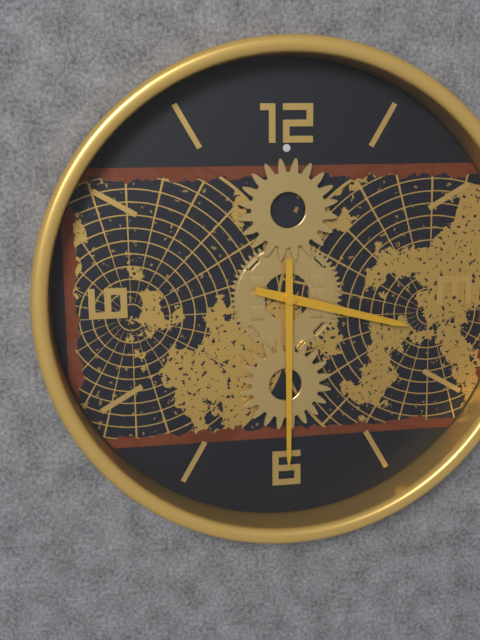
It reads {"hour": 3, "minute": 30}
